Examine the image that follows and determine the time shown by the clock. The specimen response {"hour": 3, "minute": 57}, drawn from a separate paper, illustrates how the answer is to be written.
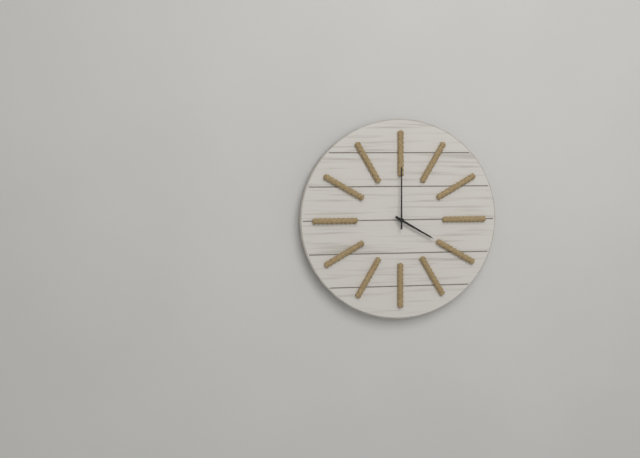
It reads {"hour": 4, "minute": 0}
